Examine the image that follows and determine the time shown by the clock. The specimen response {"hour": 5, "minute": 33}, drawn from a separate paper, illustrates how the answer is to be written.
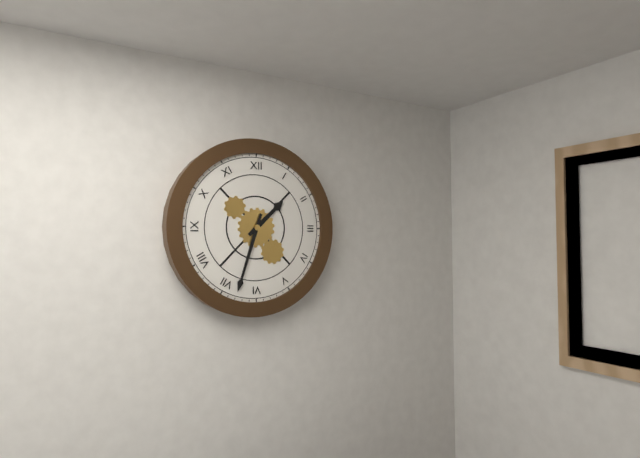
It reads {"hour": 1, "minute": 33}
